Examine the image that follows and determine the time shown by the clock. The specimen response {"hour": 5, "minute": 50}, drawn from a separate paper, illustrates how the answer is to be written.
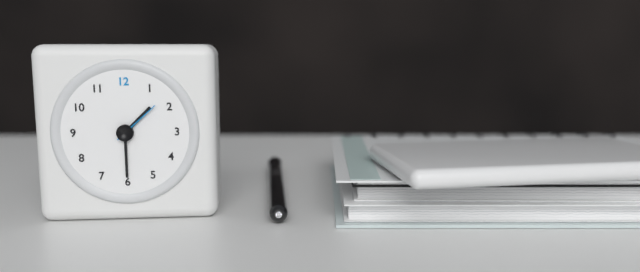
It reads {"hour": 1, "minute": 30}
